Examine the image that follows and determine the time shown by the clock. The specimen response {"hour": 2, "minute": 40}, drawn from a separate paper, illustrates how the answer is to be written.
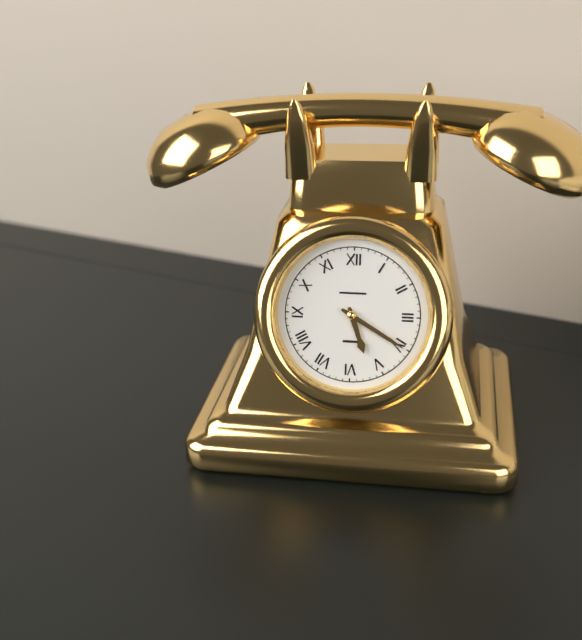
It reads {"hour": 5, "minute": 20}
